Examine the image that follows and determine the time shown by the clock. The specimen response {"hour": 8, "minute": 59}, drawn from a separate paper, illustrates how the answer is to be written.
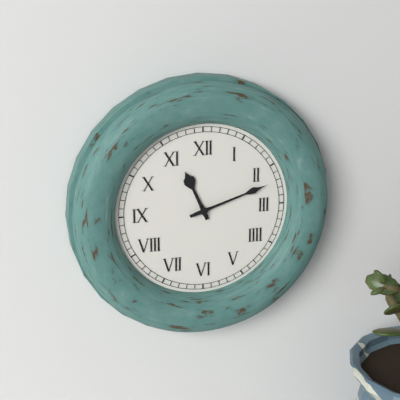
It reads {"hour": 11, "minute": 12}
